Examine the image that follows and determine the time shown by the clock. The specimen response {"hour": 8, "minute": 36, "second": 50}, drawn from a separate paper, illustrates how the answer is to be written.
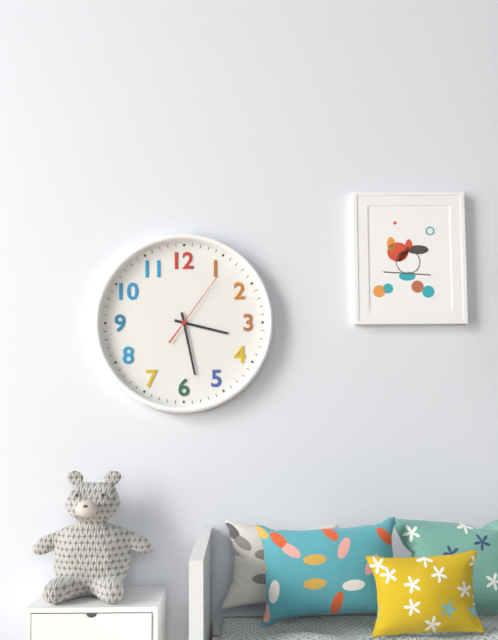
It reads {"hour": 3, "minute": 28, "second": 6}
